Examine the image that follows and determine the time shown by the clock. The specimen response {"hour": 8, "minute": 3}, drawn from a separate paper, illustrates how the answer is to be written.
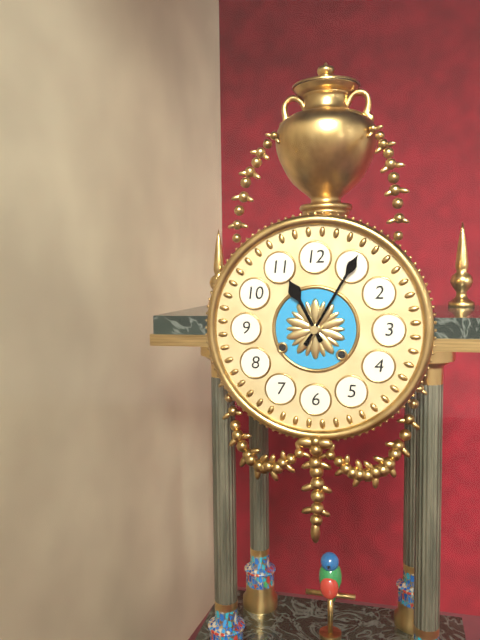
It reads {"hour": 11, "minute": 5}
